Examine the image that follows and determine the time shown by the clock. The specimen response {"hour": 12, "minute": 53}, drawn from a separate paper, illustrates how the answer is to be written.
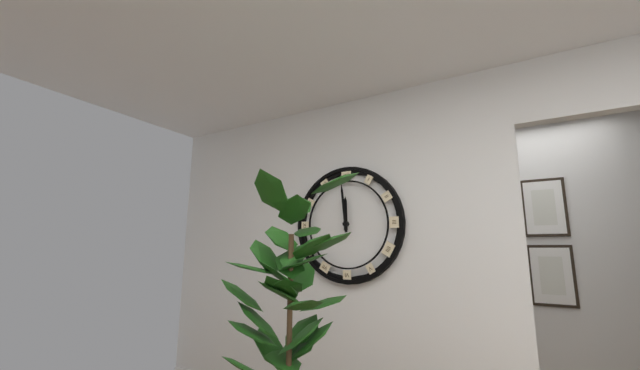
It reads {"hour": 11, "minute": 59}
